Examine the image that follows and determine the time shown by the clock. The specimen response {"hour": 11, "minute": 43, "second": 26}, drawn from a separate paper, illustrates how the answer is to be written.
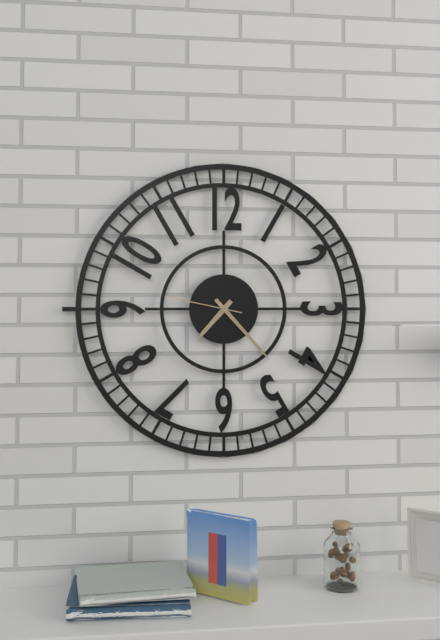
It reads {"hour": 7, "minute": 23, "second": 47}
